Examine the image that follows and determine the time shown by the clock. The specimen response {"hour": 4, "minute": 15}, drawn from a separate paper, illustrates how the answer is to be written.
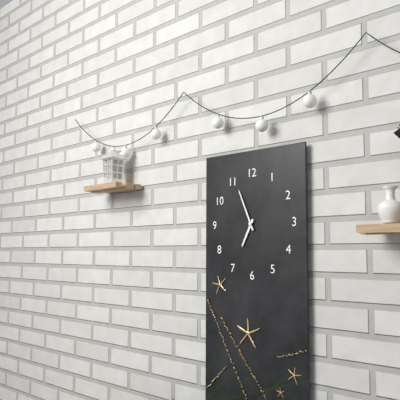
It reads {"hour": 6, "minute": 56}
